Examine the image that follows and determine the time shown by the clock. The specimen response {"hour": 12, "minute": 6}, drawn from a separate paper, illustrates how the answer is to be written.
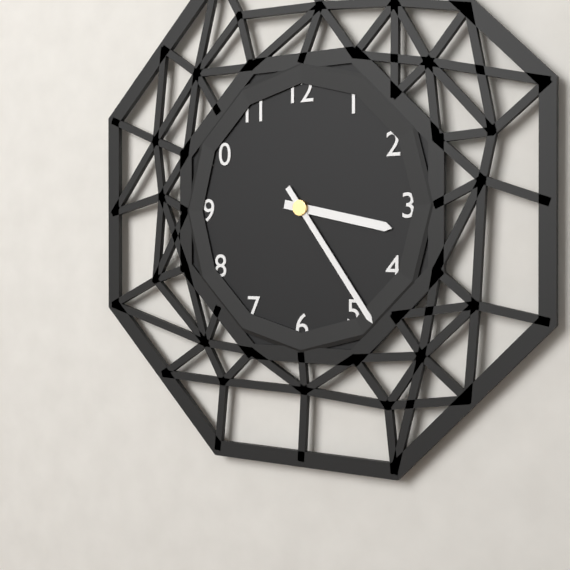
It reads {"hour": 3, "minute": 24}
